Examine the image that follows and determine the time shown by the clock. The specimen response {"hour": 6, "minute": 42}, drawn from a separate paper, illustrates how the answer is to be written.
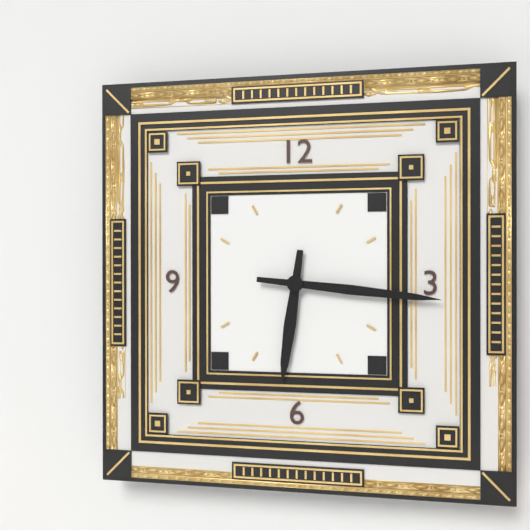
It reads {"hour": 6, "minute": 16}
